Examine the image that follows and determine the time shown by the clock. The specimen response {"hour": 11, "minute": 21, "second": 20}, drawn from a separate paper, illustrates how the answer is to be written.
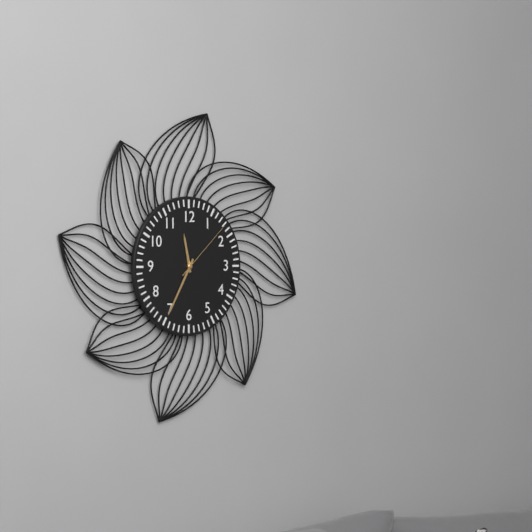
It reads {"hour": 11, "minute": 35, "second": 8}
